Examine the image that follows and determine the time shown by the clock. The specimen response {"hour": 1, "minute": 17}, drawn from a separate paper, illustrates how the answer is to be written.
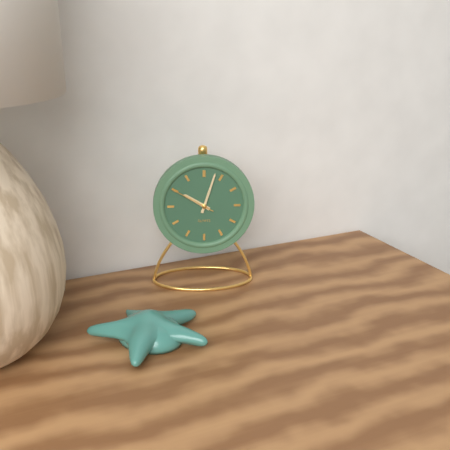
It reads {"hour": 10, "minute": 3}
